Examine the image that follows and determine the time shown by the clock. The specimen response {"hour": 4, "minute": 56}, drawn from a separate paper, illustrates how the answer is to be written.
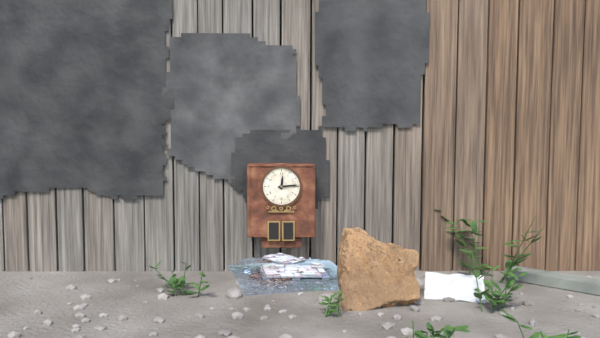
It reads {"hour": 12, "minute": 14}
